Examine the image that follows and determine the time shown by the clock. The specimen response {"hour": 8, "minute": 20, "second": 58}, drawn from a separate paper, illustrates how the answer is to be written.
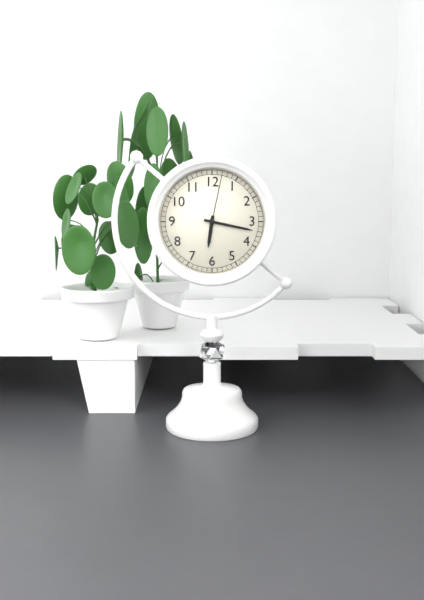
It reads {"hour": 6, "minute": 17, "second": 2}
